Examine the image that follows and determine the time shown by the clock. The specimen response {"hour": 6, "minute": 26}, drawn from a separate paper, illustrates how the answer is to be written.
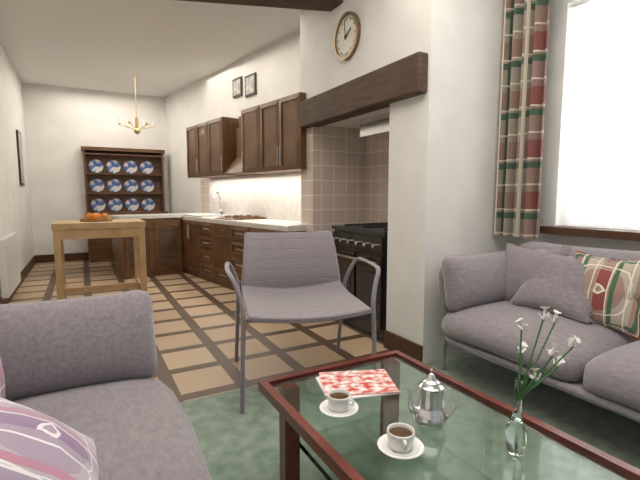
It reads {"hour": 1, "minute": 59}
